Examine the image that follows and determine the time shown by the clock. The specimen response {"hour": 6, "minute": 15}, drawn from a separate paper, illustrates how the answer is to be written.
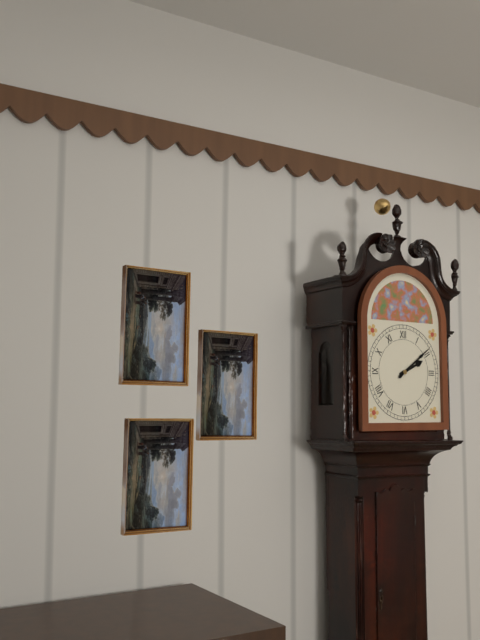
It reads {"hour": 2, "minute": 9}
